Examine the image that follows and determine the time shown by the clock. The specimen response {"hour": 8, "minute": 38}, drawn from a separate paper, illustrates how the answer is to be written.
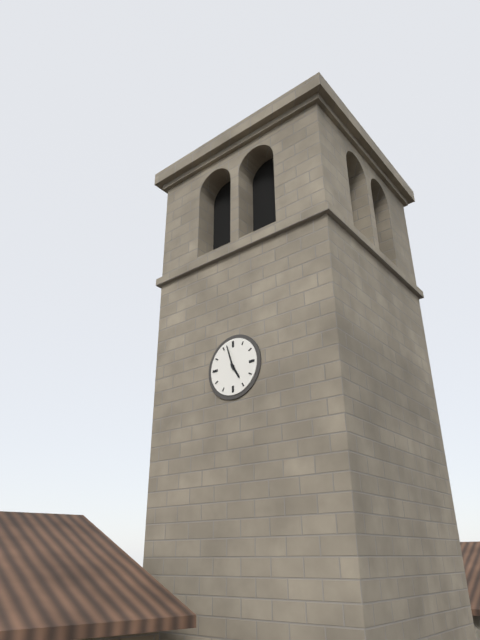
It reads {"hour": 4, "minute": 57}
